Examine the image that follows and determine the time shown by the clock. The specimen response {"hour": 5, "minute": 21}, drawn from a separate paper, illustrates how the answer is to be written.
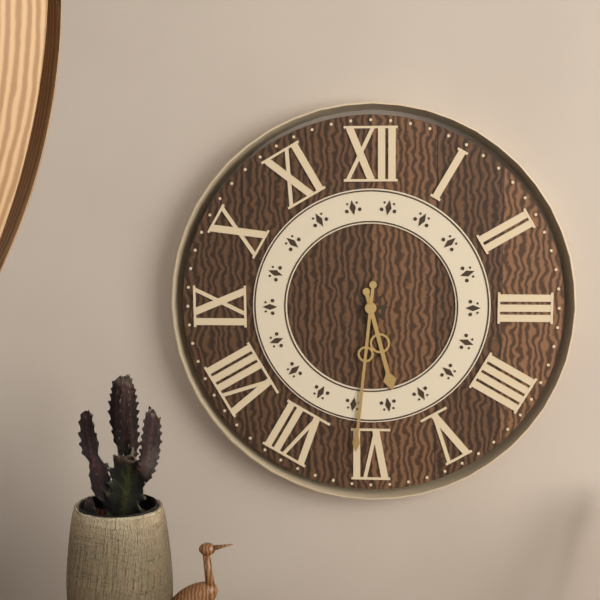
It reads {"hour": 5, "minute": 31}
